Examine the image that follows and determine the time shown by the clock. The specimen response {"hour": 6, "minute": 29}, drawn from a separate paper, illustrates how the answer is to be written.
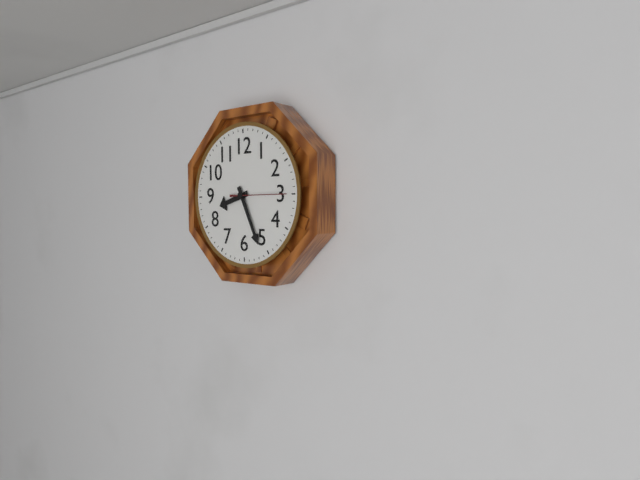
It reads {"hour": 8, "minute": 26}
